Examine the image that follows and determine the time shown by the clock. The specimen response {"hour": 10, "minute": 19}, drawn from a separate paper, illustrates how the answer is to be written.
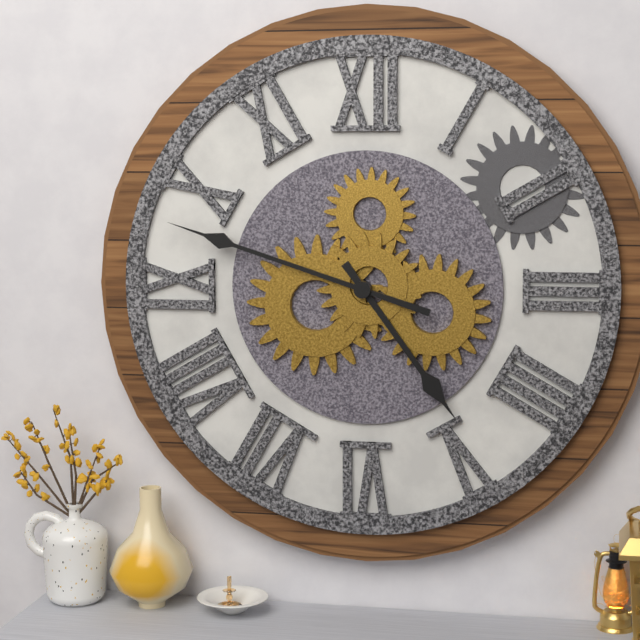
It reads {"hour": 4, "minute": 48}
